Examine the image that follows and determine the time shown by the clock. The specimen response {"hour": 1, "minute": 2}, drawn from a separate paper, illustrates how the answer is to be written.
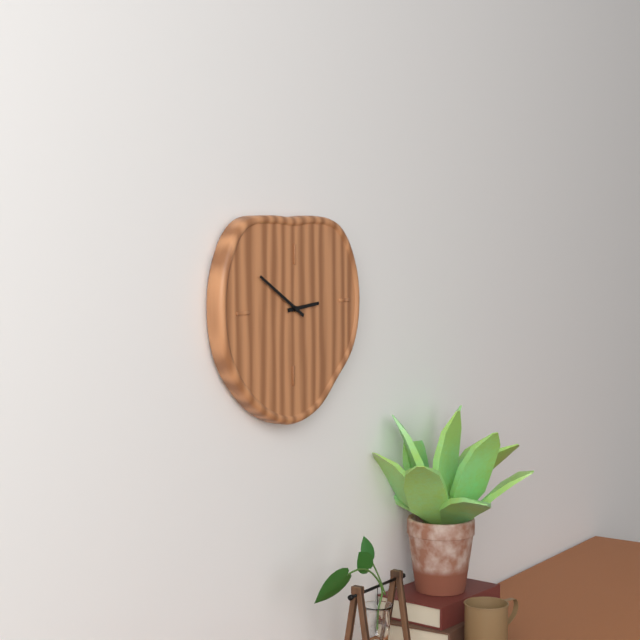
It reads {"hour": 2, "minute": 50}
